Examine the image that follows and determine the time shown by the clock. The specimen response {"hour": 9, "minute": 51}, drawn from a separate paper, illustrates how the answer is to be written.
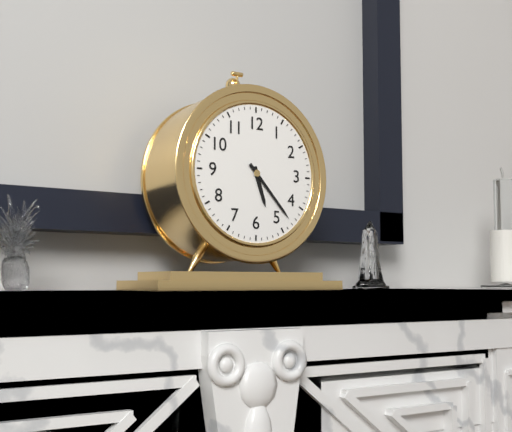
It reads {"hour": 5, "minute": 23}
